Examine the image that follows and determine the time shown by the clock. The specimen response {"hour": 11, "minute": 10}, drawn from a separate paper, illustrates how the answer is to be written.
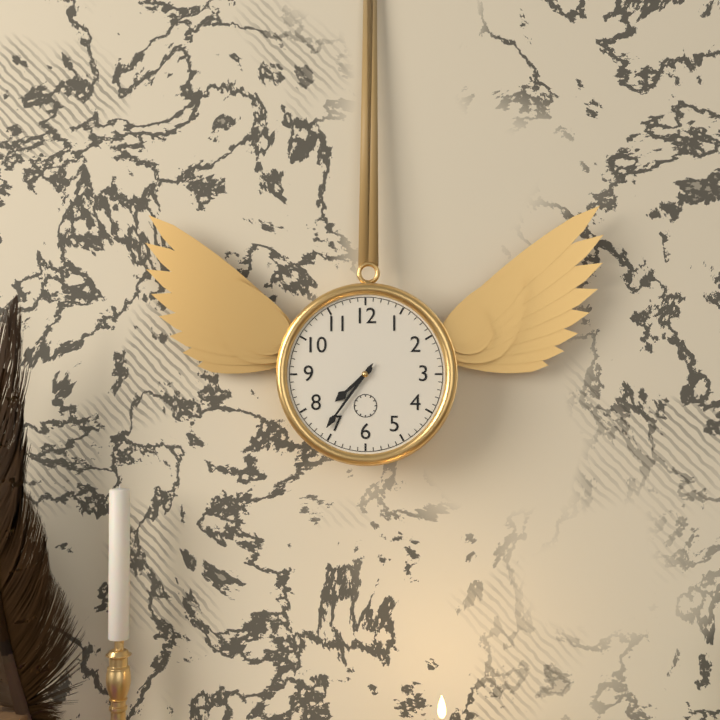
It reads {"hour": 7, "minute": 36}
